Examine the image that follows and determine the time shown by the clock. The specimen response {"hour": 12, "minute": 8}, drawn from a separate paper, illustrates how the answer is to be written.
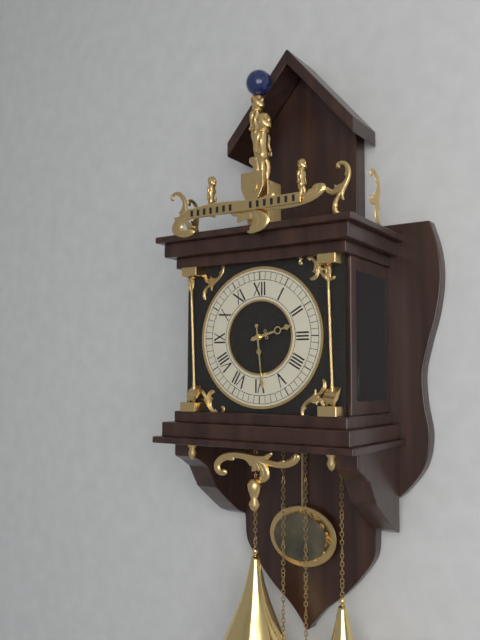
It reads {"hour": 2, "minute": 29}
